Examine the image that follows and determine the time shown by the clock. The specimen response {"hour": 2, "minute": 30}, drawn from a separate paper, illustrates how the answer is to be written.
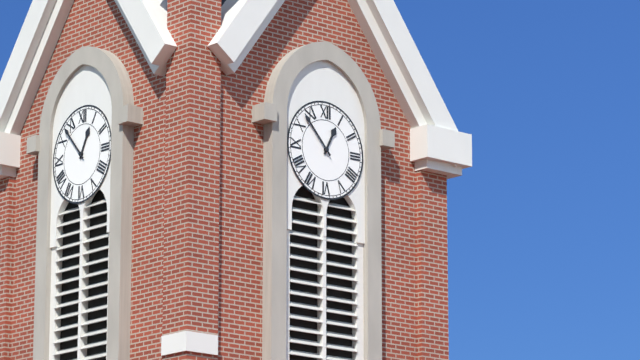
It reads {"hour": 12, "minute": 53}
